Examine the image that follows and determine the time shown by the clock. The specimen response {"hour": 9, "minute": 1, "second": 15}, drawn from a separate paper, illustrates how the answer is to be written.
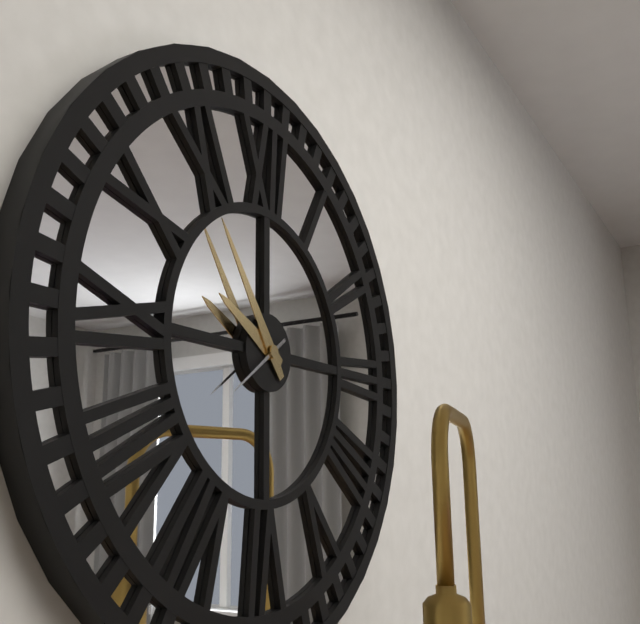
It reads {"hour": 9, "minute": 54, "second": 39}
